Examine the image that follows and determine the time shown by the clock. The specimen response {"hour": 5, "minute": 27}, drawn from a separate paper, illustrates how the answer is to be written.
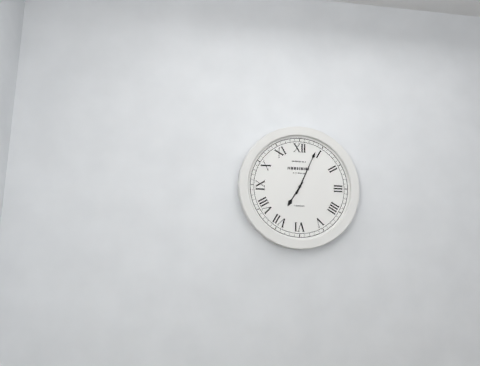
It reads {"hour": 7, "minute": 4}
